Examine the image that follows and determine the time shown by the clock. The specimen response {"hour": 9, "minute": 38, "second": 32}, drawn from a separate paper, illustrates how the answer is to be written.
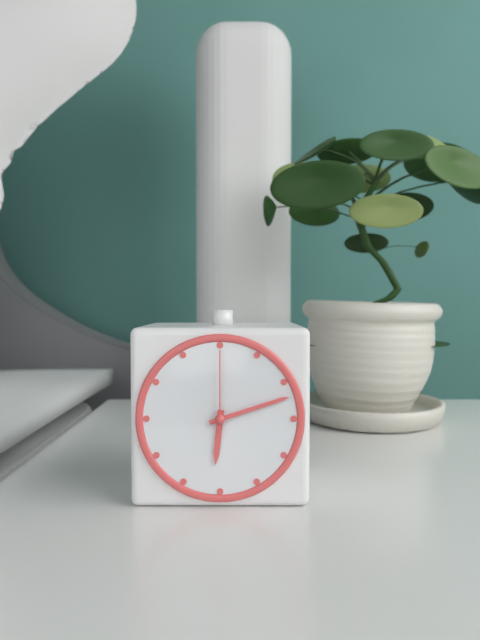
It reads {"hour": 6, "minute": 12, "second": 0}
